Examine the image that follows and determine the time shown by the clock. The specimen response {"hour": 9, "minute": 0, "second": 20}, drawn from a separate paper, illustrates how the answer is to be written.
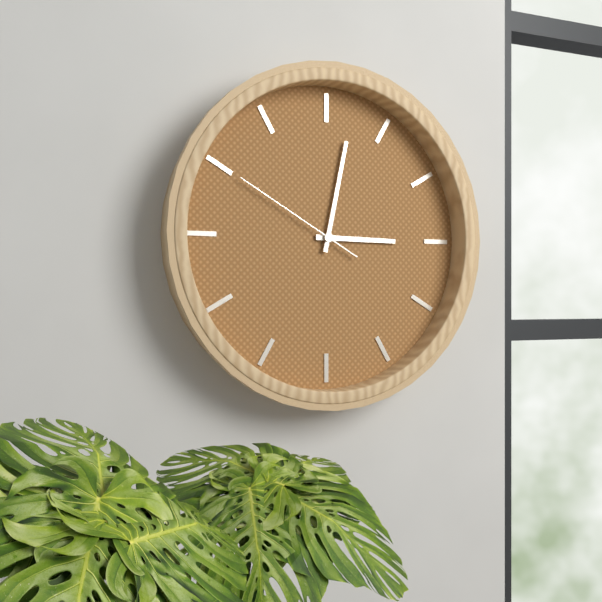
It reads {"hour": 3, "minute": 2, "second": 50}
